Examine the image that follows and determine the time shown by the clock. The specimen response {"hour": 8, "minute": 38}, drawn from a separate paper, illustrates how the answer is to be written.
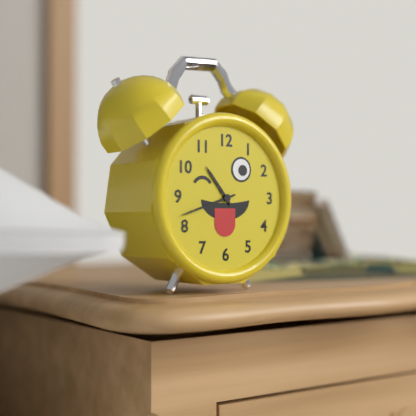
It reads {"hour": 10, "minute": 42}
